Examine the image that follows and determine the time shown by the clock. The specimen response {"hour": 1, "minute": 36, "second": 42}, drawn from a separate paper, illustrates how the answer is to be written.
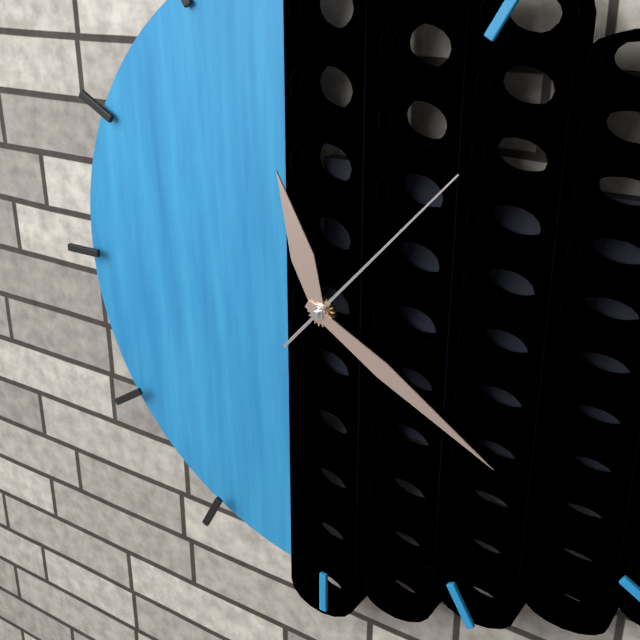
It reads {"hour": 11, "minute": 20, "second": 7}
